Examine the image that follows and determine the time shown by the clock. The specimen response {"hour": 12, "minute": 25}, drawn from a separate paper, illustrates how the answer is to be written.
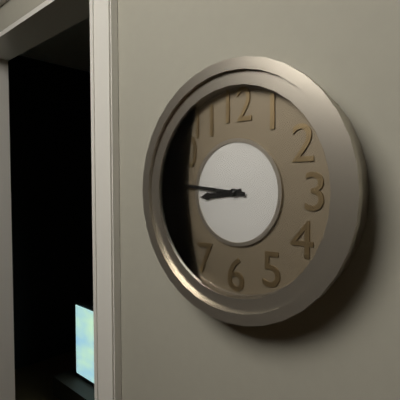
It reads {"hour": 8, "minute": 46}
